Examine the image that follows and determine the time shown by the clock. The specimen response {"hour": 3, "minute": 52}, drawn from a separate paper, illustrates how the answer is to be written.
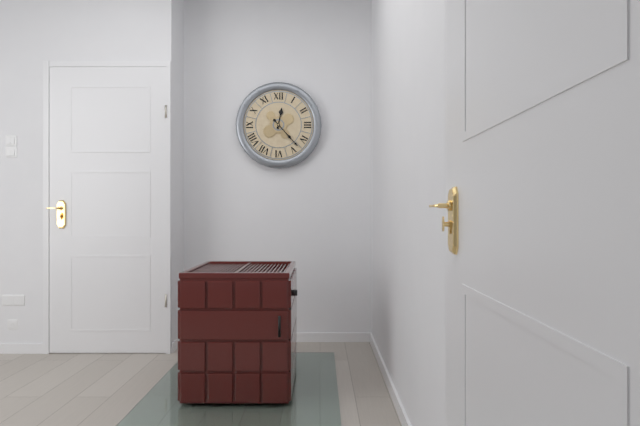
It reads {"hour": 12, "minute": 23}
